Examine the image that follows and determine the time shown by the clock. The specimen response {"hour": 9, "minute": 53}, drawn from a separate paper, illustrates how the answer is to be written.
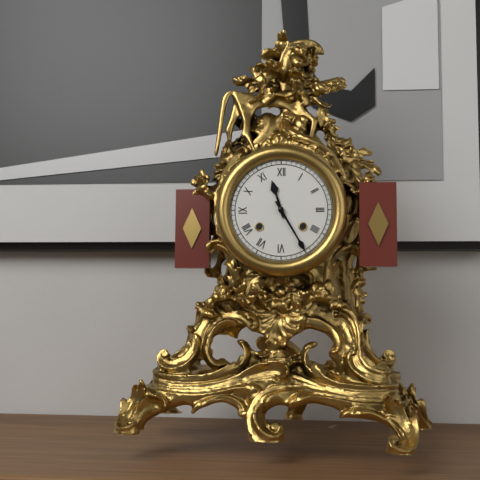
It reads {"hour": 11, "minute": 25}
